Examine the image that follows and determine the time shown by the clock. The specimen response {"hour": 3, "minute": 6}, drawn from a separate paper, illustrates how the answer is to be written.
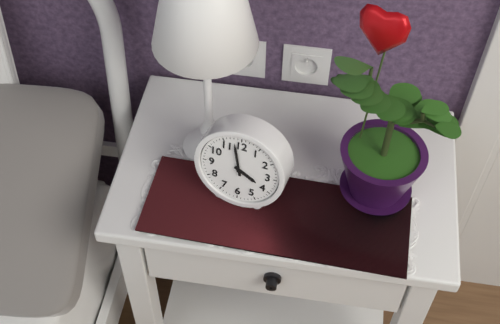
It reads {"hour": 3, "minute": 58}
